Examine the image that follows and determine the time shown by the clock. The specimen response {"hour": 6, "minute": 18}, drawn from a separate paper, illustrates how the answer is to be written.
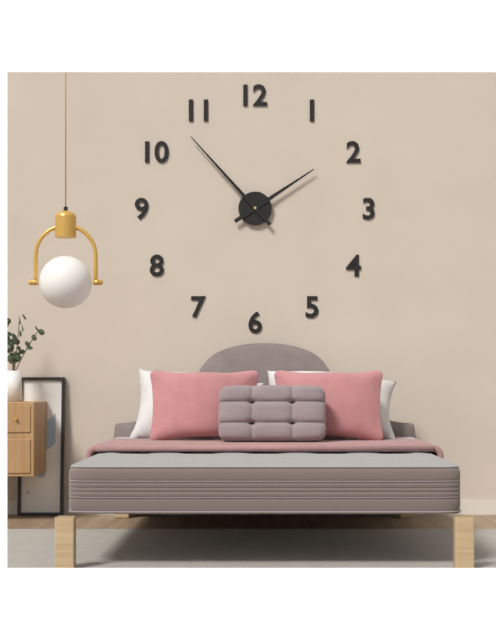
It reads {"hour": 1, "minute": 53}
